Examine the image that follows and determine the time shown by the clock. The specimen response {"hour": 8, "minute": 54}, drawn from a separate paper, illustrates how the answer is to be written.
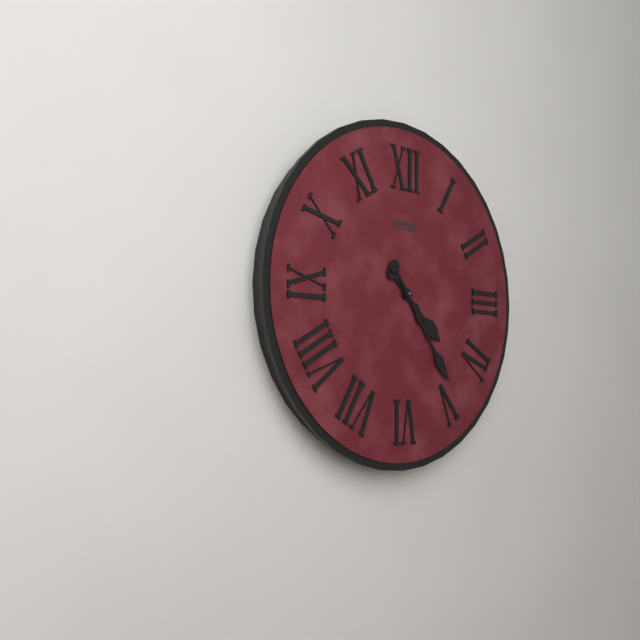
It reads {"hour": 4, "minute": 24}
